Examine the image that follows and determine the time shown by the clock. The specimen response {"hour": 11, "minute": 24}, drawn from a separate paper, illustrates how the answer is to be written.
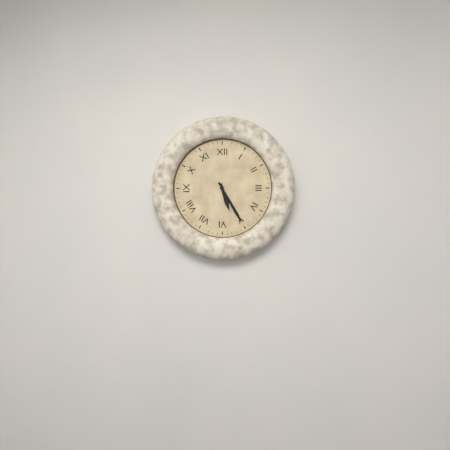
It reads {"hour": 5, "minute": 25}
